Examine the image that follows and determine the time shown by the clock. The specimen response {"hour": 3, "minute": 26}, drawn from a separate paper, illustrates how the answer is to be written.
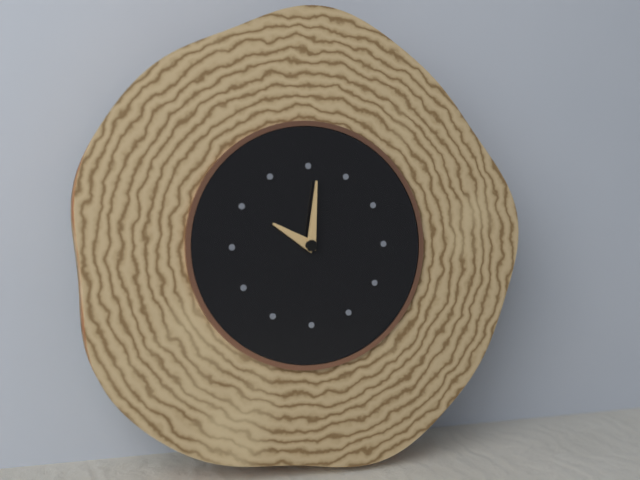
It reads {"hour": 10, "minute": 1}
